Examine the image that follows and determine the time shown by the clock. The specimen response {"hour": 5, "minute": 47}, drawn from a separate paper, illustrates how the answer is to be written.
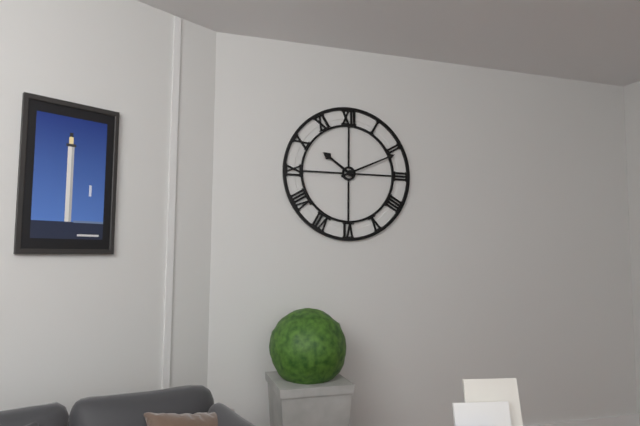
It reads {"hour": 10, "minute": 11}
